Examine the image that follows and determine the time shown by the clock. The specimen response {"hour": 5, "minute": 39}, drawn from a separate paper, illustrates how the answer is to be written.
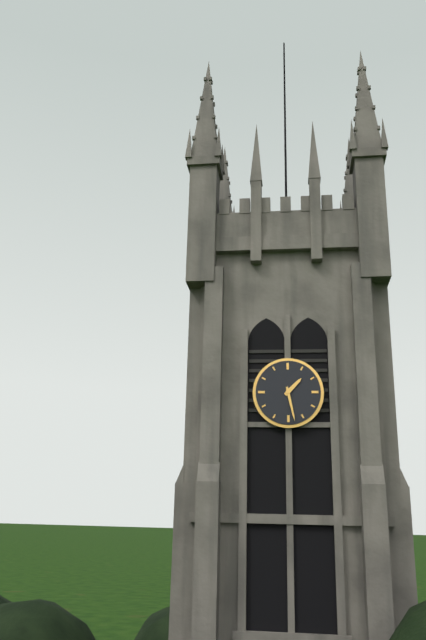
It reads {"hour": 1, "minute": 28}
